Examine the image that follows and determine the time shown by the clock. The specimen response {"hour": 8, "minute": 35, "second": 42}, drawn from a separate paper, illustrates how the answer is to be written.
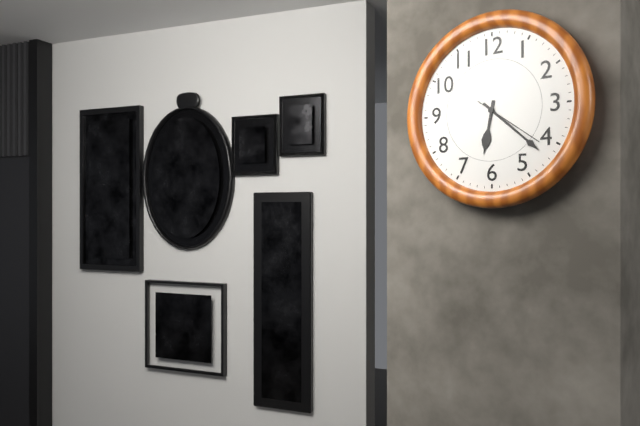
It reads {"hour": 6, "minute": 22, "second": 21}
